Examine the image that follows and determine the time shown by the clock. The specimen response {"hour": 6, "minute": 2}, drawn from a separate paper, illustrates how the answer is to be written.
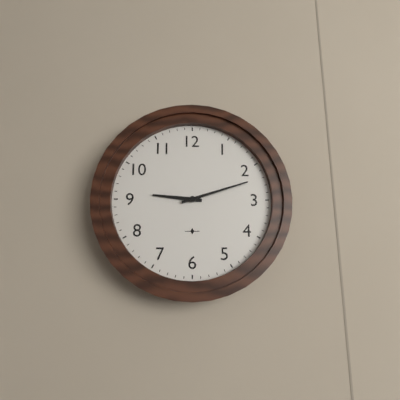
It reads {"hour": 9, "minute": 12}
